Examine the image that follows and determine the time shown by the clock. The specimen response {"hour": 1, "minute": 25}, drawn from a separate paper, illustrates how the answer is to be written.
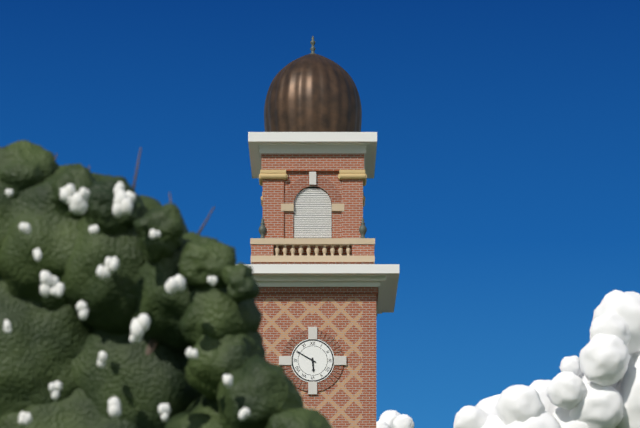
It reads {"hour": 5, "minute": 50}
